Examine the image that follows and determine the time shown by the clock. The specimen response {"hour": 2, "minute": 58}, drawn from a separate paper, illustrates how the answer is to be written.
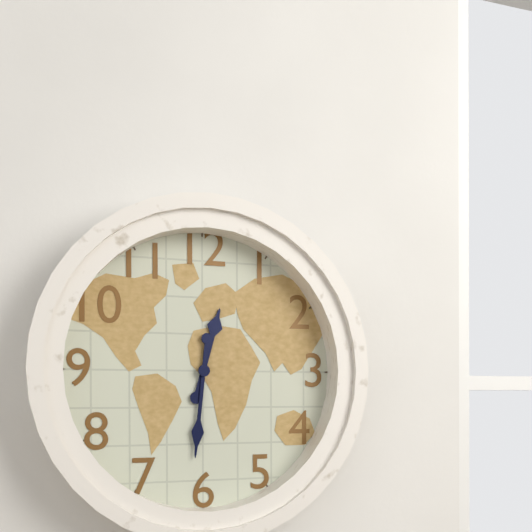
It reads {"hour": 12, "minute": 31}
